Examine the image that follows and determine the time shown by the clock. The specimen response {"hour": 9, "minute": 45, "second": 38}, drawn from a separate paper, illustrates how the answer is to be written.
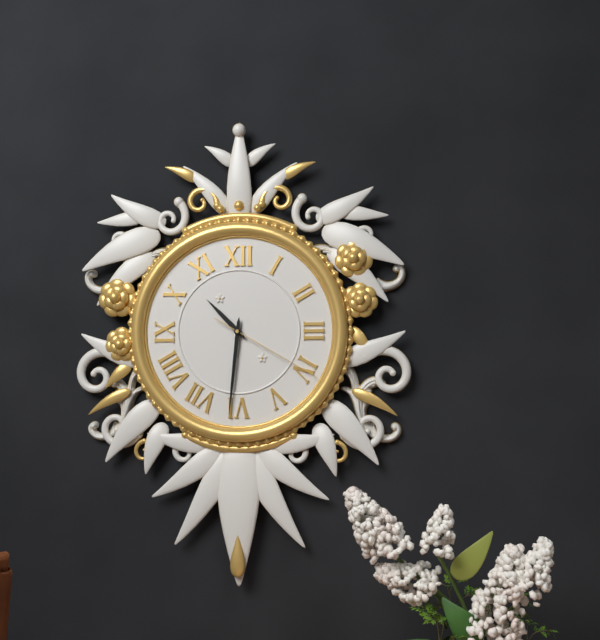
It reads {"hour": 10, "minute": 31, "second": 20}
